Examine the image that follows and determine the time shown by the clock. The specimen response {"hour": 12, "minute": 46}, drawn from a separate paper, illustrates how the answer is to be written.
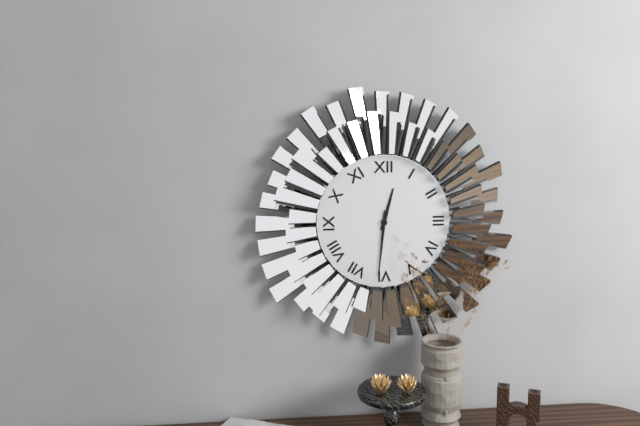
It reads {"hour": 12, "minute": 31}
